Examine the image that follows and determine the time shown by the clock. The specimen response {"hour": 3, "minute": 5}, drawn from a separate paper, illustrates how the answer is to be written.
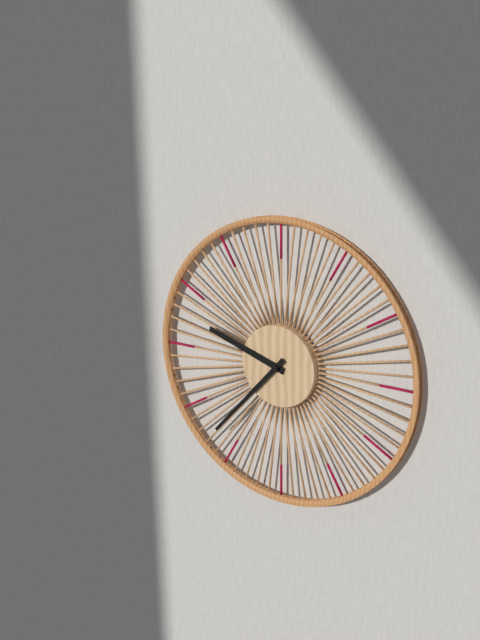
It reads {"hour": 9, "minute": 37}
